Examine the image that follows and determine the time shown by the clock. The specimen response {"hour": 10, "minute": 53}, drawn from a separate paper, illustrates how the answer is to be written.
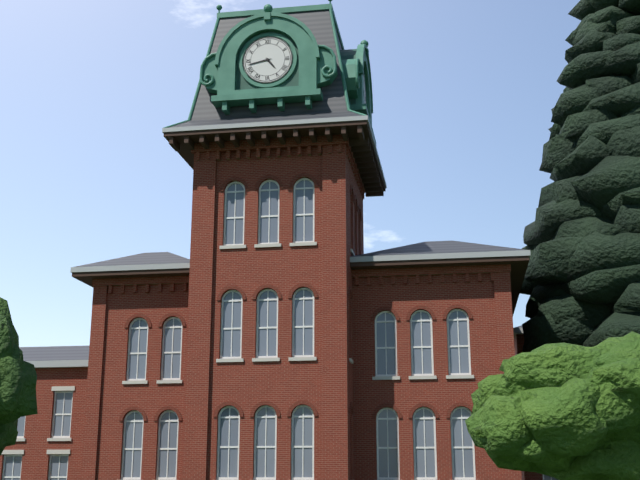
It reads {"hour": 4, "minute": 43}
